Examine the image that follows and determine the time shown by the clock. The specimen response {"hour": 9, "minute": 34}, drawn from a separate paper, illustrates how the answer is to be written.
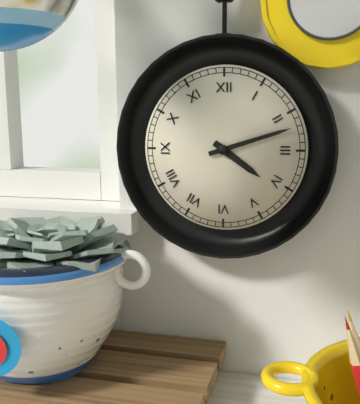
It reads {"hour": 4, "minute": 12}
